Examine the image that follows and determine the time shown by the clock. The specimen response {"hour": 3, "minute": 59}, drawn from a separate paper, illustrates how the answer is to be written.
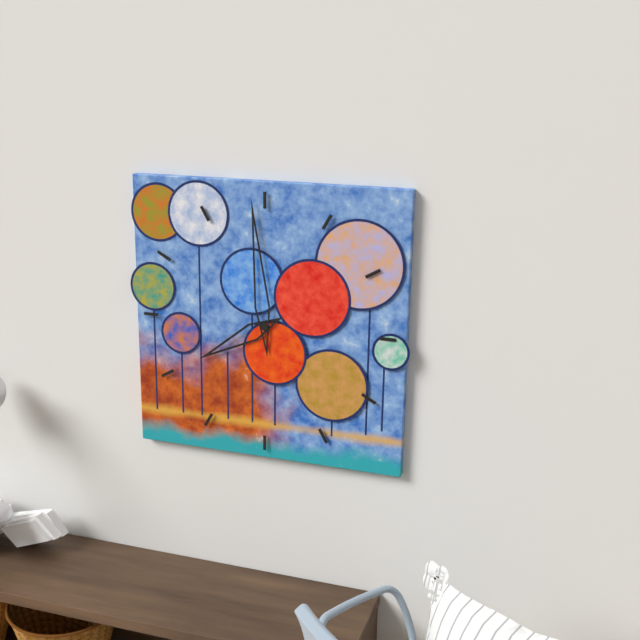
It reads {"hour": 7, "minute": 59}
